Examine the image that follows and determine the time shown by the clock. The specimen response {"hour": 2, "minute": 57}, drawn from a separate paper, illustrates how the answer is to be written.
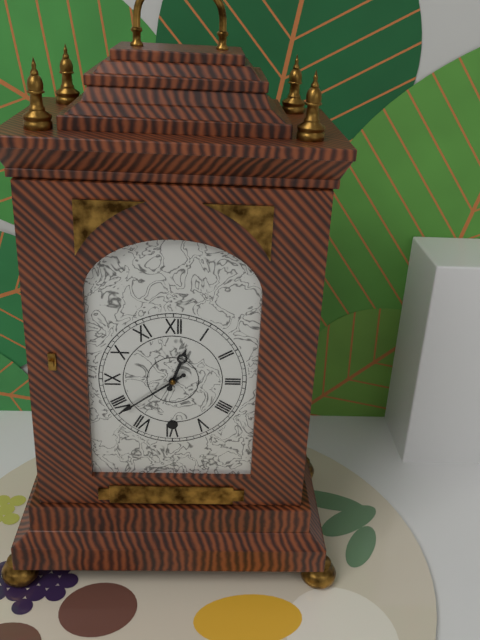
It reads {"hour": 12, "minute": 39}
